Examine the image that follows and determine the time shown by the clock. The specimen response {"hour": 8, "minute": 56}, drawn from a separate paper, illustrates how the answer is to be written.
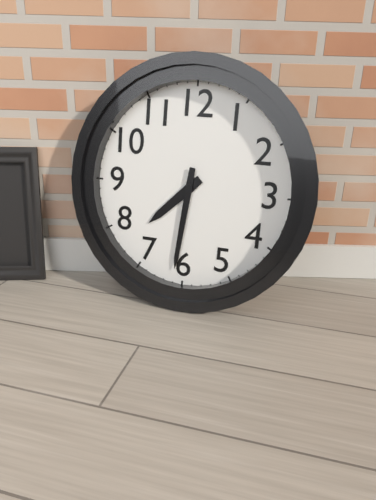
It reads {"hour": 7, "minute": 31}
